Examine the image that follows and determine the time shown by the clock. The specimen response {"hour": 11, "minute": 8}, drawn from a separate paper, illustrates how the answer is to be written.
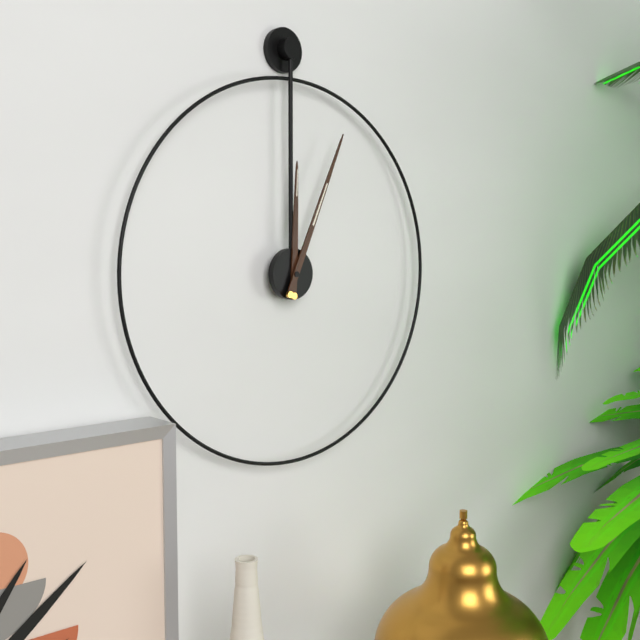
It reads {"hour": 12, "minute": 4}
